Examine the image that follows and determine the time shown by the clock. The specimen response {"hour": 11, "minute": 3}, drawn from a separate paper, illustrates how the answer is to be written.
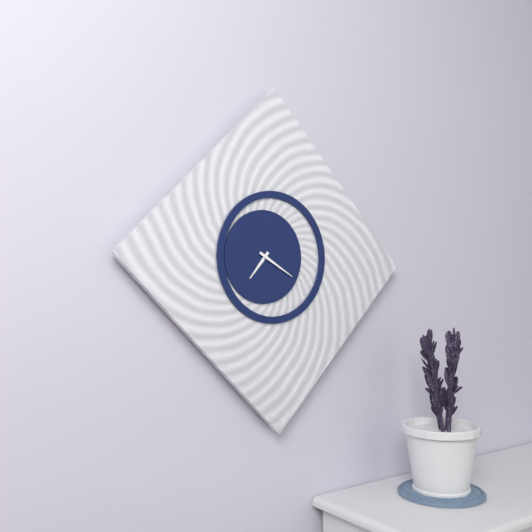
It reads {"hour": 7, "minute": 20}
